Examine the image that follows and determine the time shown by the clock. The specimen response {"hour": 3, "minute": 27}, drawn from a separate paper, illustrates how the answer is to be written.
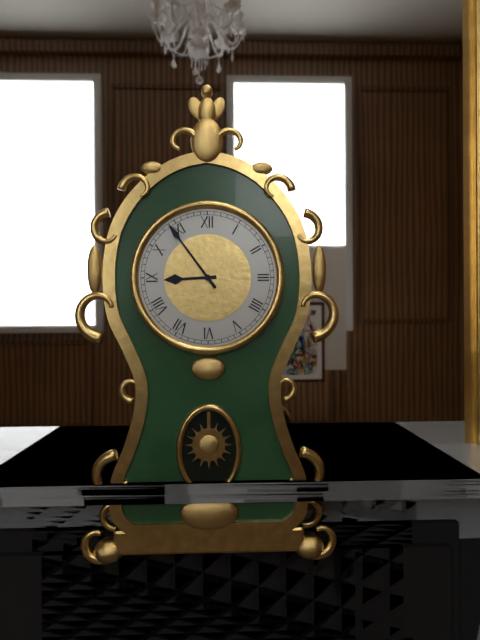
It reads {"hour": 8, "minute": 54}
